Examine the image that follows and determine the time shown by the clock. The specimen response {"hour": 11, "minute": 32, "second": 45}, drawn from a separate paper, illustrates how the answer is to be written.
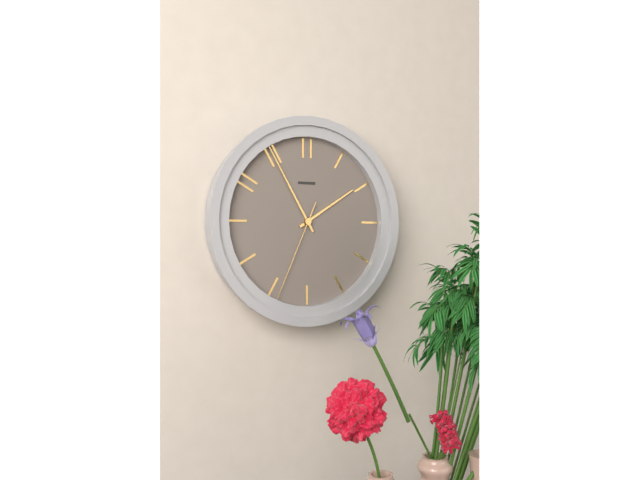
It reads {"hour": 1, "minute": 55, "second": 34}
